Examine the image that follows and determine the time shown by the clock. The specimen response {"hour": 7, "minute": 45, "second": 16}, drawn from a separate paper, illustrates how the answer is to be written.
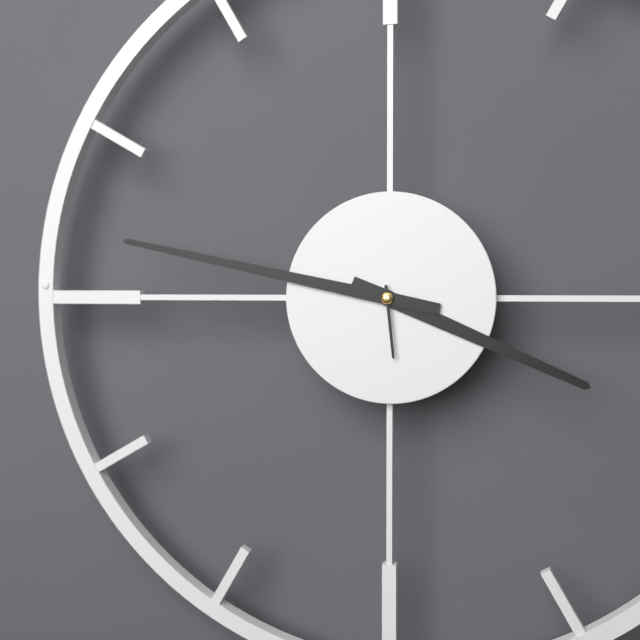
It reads {"hour": 3, "minute": 47, "second": 29}
